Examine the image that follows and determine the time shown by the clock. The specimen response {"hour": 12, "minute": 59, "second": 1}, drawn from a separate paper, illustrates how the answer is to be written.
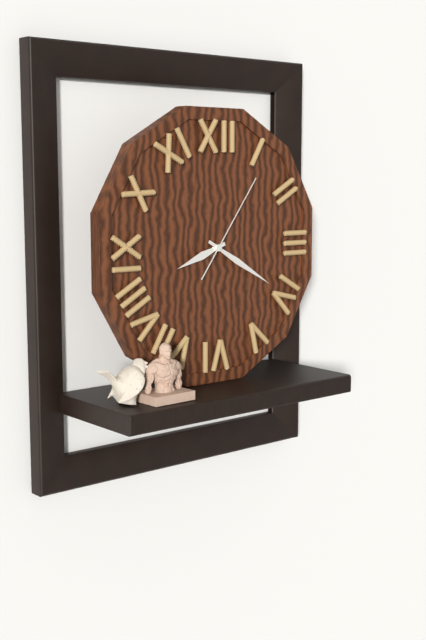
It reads {"hour": 8, "minute": 20, "second": 6}
